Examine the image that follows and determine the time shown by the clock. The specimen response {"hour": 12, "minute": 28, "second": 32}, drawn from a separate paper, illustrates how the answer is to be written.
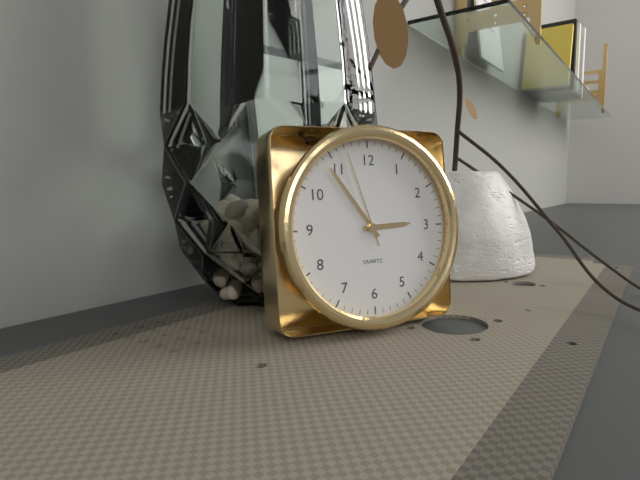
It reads {"hour": 2, "minute": 54, "second": 57}
